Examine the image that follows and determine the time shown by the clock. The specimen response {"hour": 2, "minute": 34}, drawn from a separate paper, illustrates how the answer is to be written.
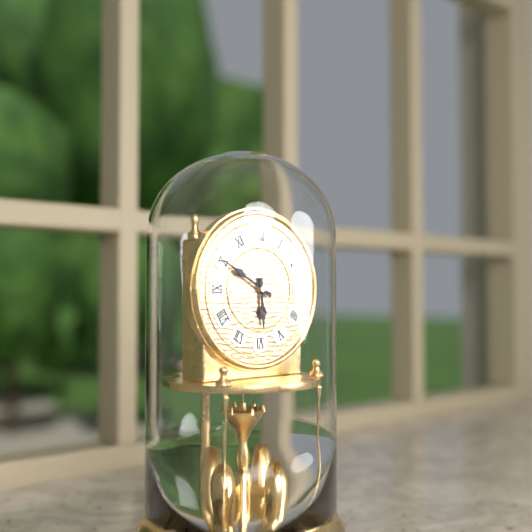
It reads {"hour": 5, "minute": 50}
